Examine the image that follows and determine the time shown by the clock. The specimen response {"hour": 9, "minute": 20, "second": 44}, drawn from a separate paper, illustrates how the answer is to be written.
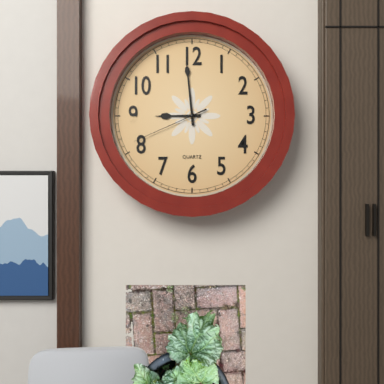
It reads {"hour": 8, "minute": 59, "second": 41}
